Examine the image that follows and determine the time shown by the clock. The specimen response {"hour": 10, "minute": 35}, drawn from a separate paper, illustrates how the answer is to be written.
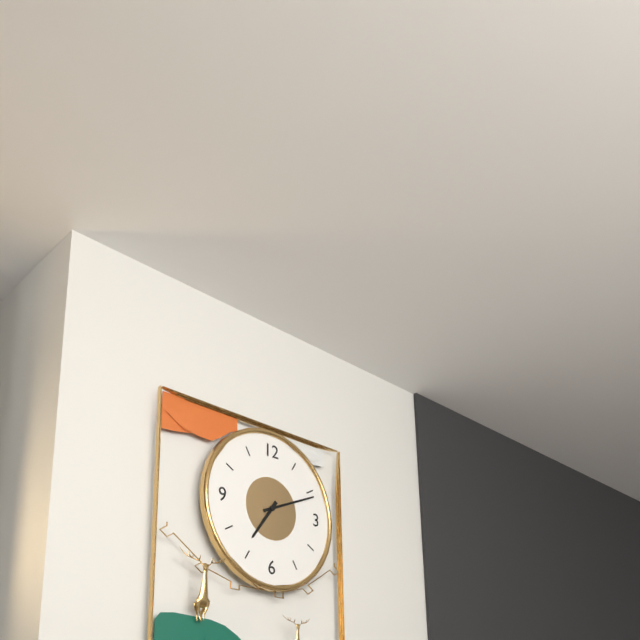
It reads {"hour": 7, "minute": 11}
